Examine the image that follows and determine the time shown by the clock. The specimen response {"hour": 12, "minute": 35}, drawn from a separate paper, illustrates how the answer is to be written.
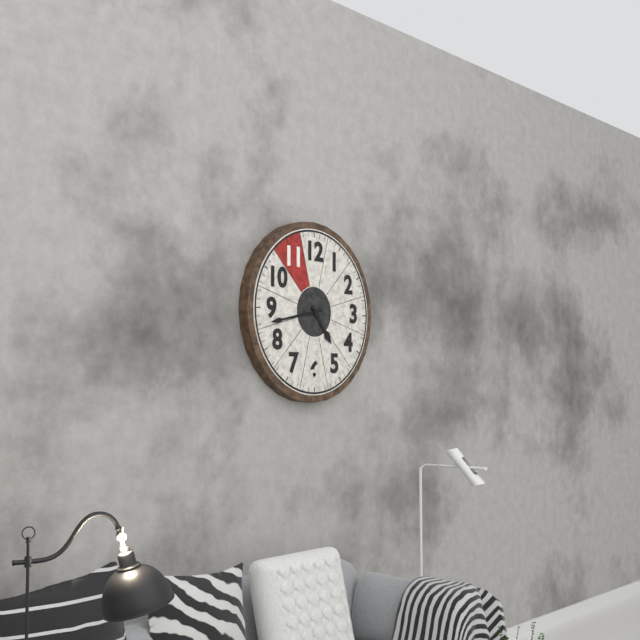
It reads {"hour": 4, "minute": 43}
